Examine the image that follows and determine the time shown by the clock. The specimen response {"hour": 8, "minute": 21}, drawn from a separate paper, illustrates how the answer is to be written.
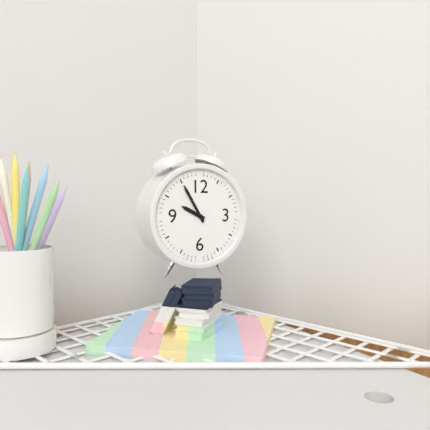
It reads {"hour": 9, "minute": 55}
